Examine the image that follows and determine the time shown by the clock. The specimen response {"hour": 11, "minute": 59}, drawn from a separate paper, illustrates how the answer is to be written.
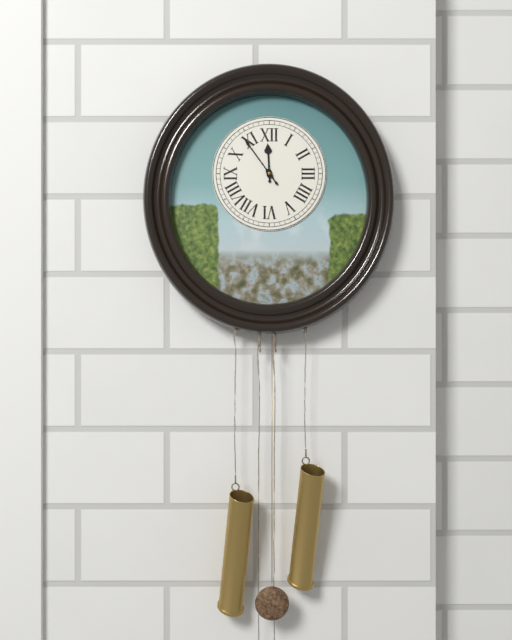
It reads {"hour": 11, "minute": 54}
